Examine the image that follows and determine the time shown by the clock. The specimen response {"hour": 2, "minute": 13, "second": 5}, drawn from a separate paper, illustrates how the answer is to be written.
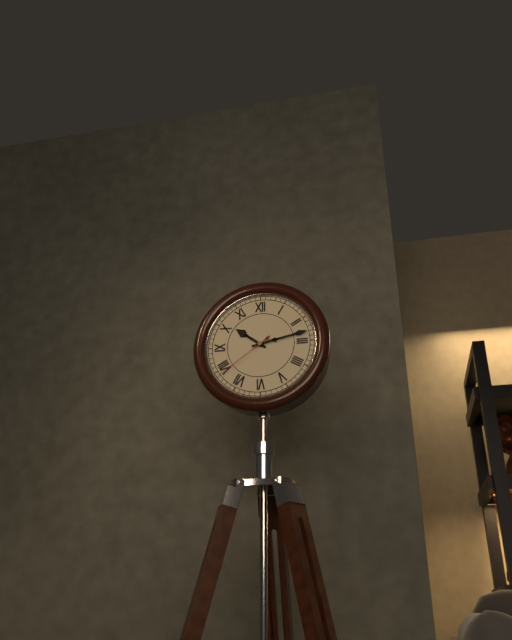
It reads {"hour": 10, "minute": 13, "second": 39}
